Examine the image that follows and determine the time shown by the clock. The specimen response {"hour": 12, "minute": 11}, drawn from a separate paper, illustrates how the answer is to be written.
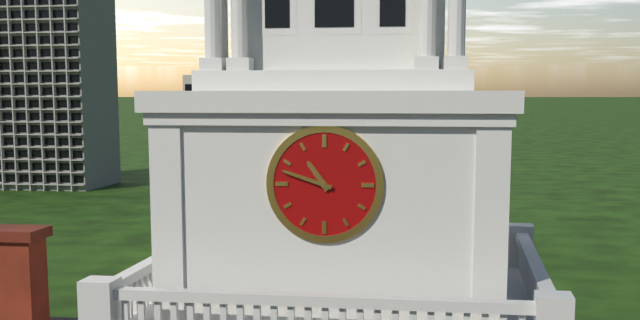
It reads {"hour": 10, "minute": 48}
